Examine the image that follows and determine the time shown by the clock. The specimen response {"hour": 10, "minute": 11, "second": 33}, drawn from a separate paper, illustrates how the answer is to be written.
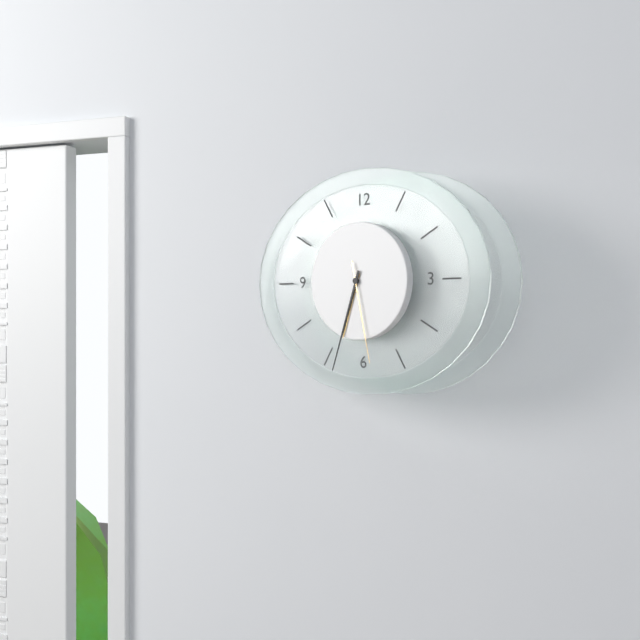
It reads {"hour": 6, "minute": 33, "second": 28}
